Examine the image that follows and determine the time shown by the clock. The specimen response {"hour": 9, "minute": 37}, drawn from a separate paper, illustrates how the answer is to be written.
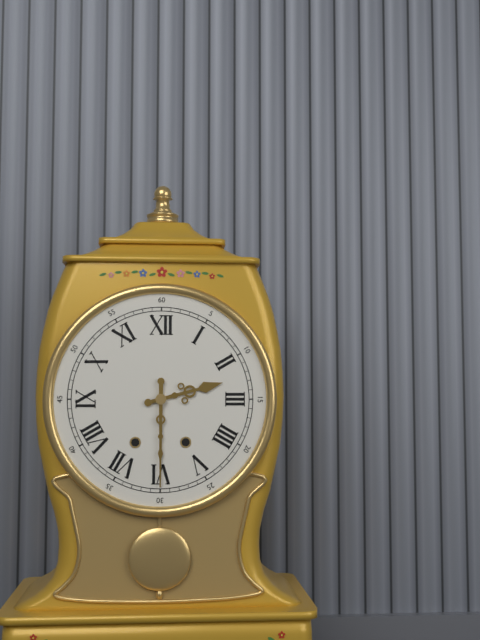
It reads {"hour": 2, "minute": 30}
